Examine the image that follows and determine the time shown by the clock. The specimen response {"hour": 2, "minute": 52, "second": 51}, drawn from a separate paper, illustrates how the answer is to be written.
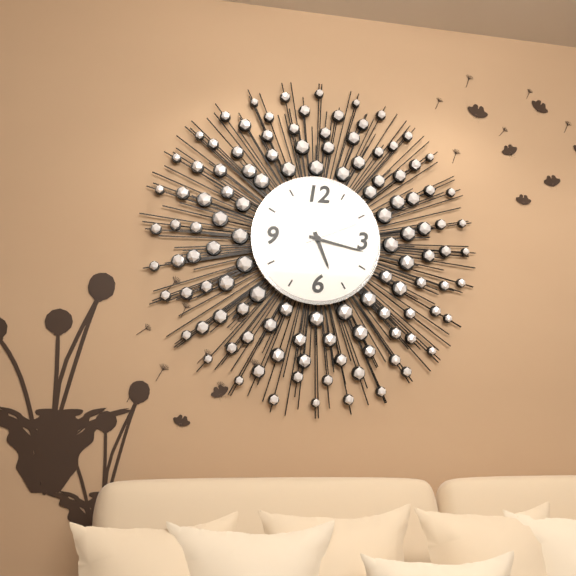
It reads {"hour": 5, "minute": 17, "second": 11}
